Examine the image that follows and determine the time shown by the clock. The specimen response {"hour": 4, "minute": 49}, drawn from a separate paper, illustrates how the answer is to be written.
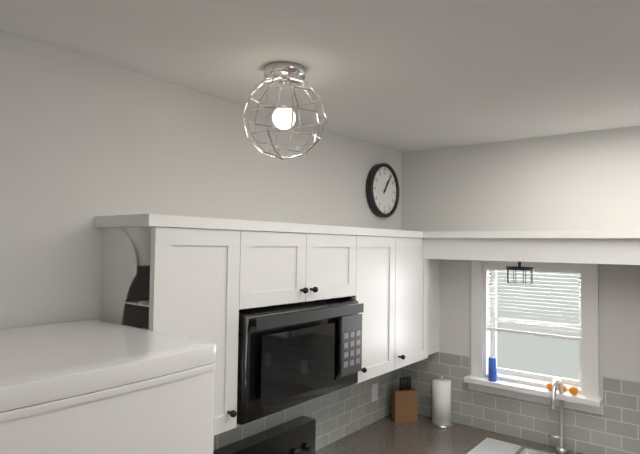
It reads {"hour": 1, "minute": 6}
